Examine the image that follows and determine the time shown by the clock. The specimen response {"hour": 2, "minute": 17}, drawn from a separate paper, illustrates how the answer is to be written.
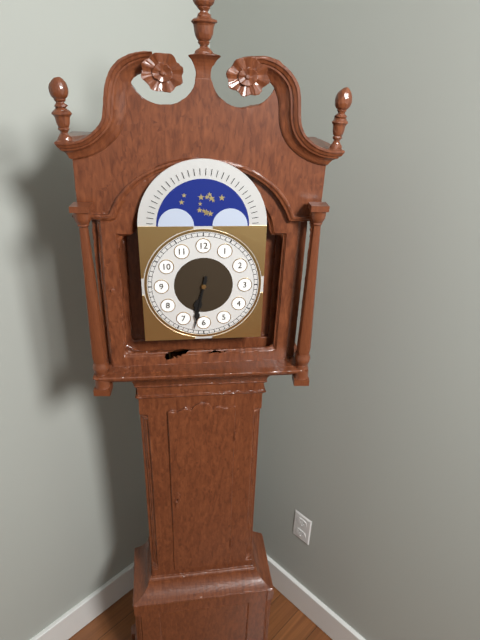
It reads {"hour": 6, "minute": 32}
